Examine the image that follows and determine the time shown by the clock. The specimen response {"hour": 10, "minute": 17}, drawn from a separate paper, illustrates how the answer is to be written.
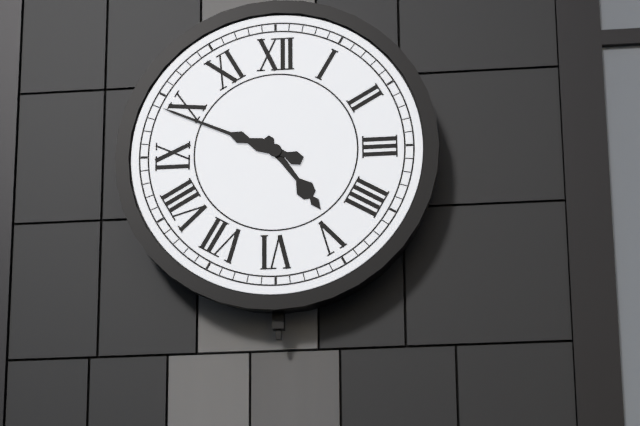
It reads {"hour": 4, "minute": 49}
